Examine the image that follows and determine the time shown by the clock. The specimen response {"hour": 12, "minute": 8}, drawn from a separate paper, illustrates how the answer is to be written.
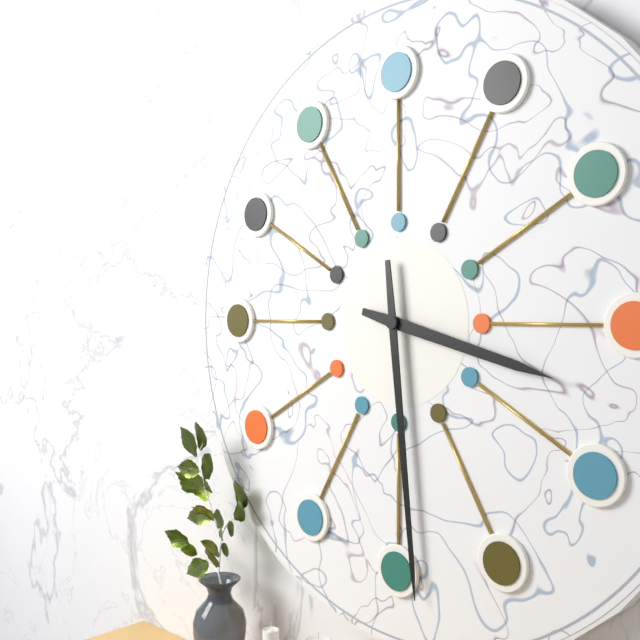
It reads {"hour": 3, "minute": 29}
